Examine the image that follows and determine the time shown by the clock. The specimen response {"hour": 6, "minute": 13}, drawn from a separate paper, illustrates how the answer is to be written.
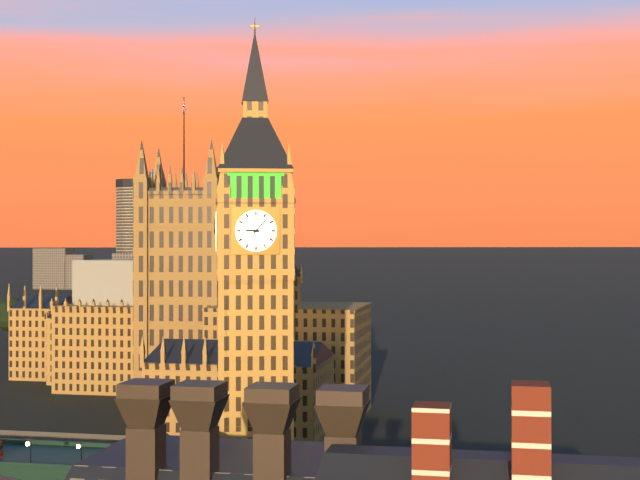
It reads {"hour": 9, "minute": 7}
